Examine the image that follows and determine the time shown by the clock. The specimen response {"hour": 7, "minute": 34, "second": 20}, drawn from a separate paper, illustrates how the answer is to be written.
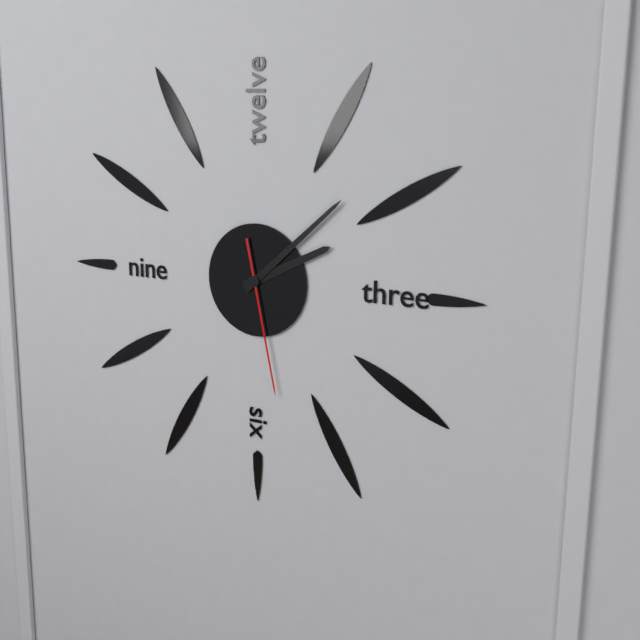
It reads {"hour": 2, "minute": 8, "second": 28}
